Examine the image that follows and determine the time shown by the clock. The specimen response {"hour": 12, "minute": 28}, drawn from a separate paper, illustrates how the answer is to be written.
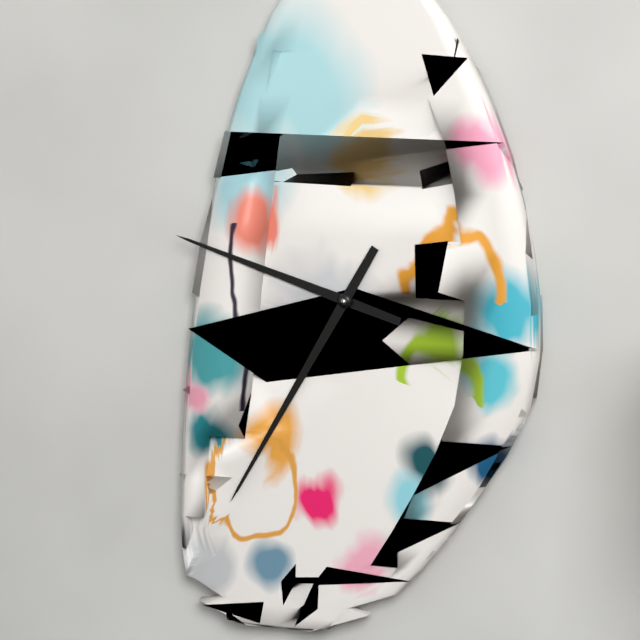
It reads {"hour": 9, "minute": 35}
